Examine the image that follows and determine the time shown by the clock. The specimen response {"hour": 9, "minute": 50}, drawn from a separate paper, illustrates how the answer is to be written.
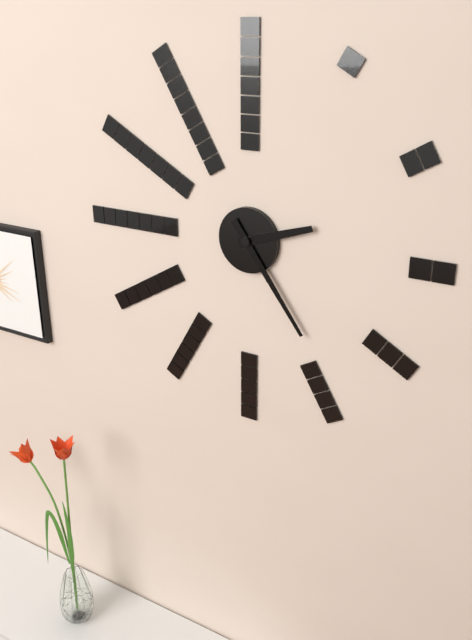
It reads {"hour": 2, "minute": 24}
